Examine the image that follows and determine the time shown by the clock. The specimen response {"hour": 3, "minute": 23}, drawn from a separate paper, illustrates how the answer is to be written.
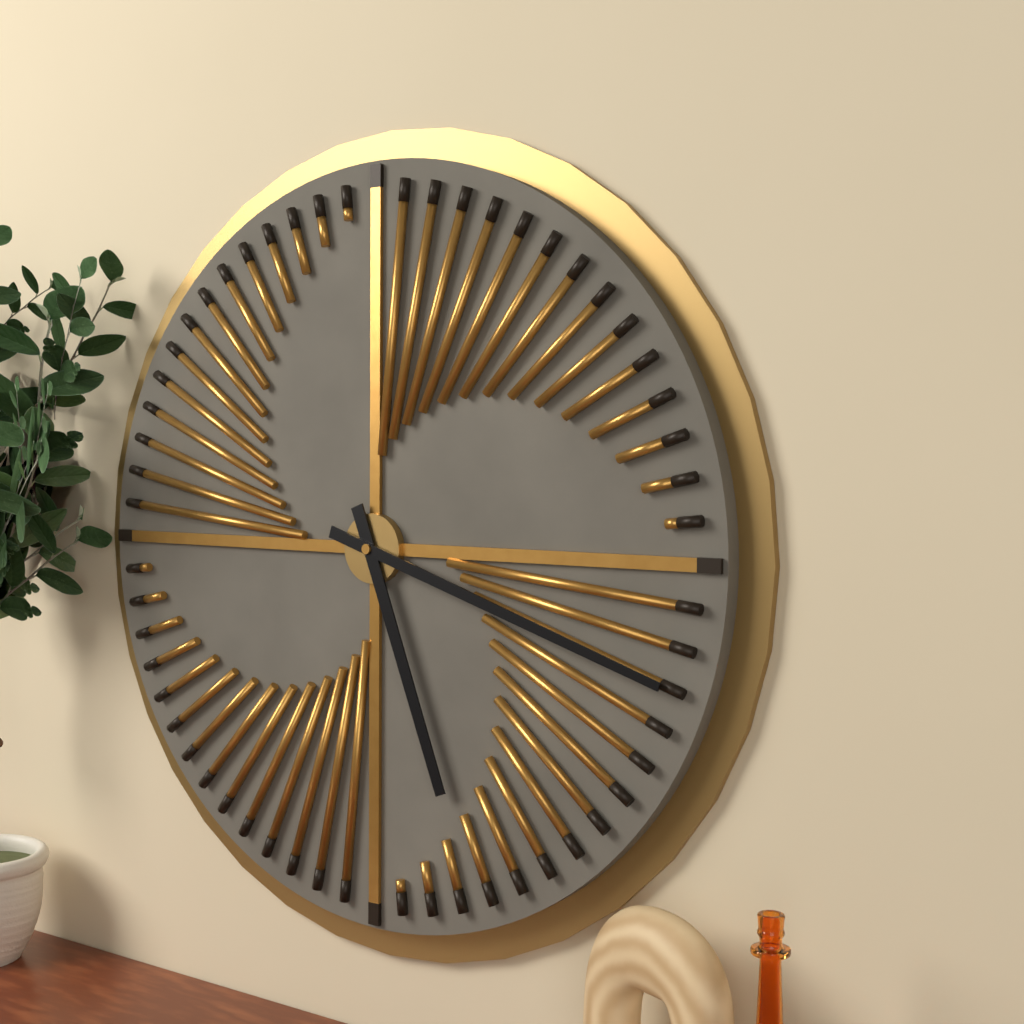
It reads {"hour": 5, "minute": 18}
